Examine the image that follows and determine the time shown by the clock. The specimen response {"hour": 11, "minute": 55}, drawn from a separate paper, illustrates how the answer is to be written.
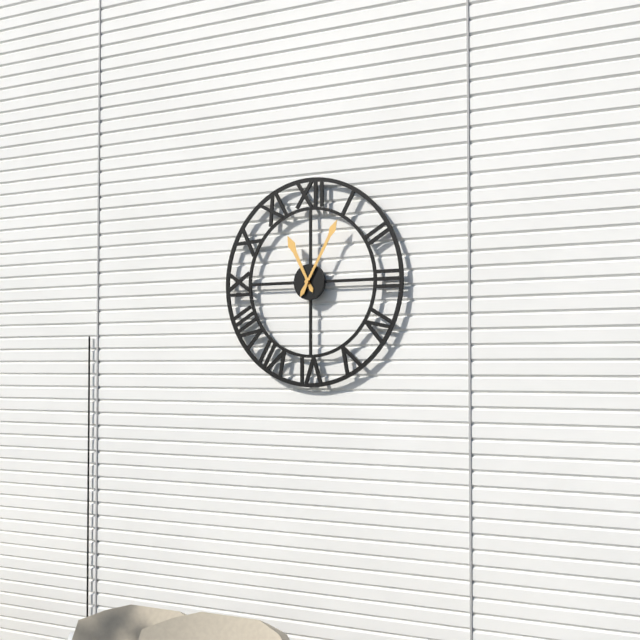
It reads {"hour": 11, "minute": 5}
